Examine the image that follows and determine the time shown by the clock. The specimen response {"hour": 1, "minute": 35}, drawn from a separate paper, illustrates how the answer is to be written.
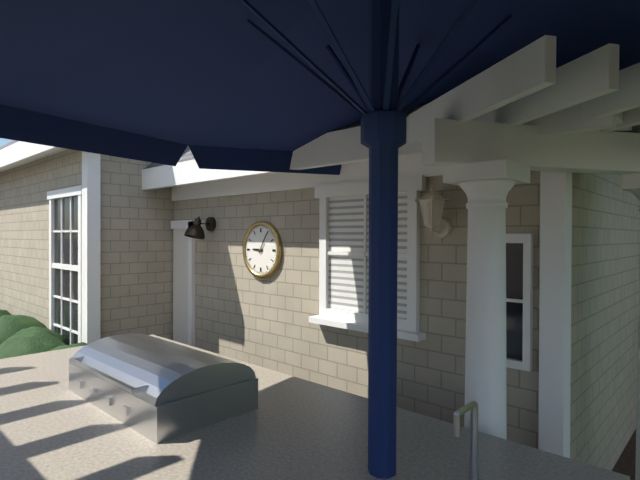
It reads {"hour": 9, "minute": 5}
